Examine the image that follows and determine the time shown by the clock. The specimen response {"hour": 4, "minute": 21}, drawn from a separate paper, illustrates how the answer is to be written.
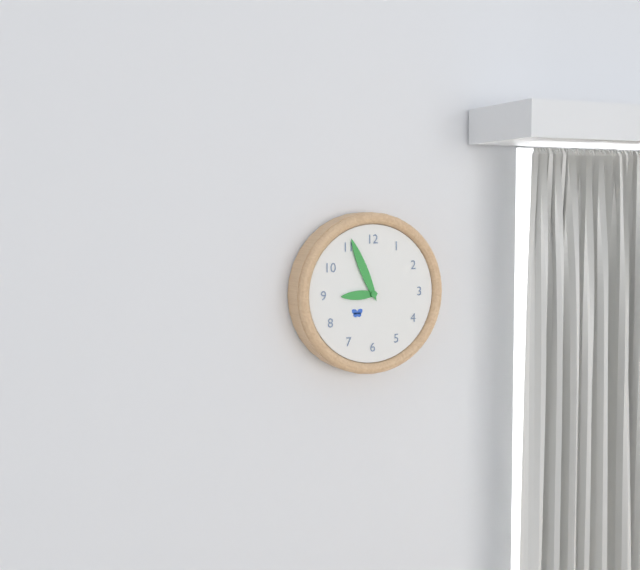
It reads {"hour": 8, "minute": 56}
